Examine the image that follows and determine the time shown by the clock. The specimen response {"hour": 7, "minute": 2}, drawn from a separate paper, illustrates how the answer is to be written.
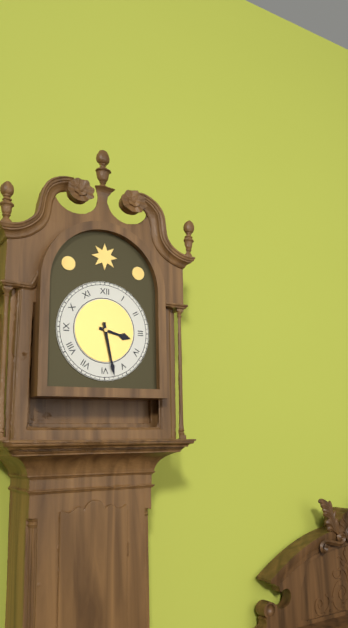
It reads {"hour": 3, "minute": 28}
